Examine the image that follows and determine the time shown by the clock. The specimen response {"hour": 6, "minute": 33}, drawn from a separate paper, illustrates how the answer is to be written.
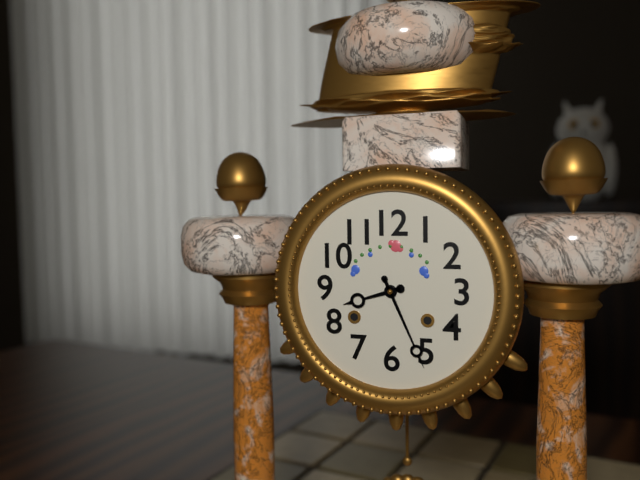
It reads {"hour": 8, "minute": 26}
